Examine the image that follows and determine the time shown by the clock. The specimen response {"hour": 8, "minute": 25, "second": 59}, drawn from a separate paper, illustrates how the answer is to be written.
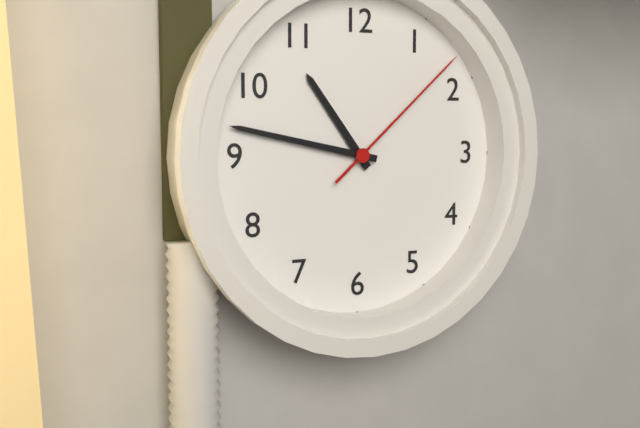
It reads {"hour": 10, "minute": 47, "second": 8}
